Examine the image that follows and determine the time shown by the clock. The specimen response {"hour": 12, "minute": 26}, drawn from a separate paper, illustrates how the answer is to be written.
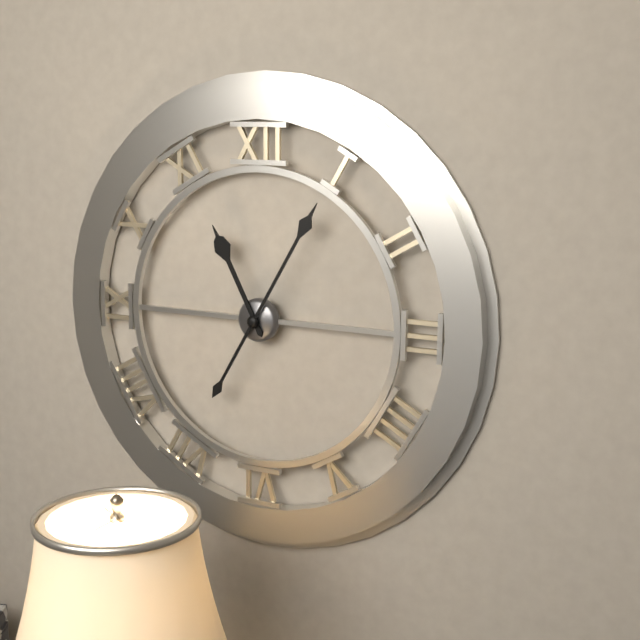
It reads {"hour": 11, "minute": 5}
